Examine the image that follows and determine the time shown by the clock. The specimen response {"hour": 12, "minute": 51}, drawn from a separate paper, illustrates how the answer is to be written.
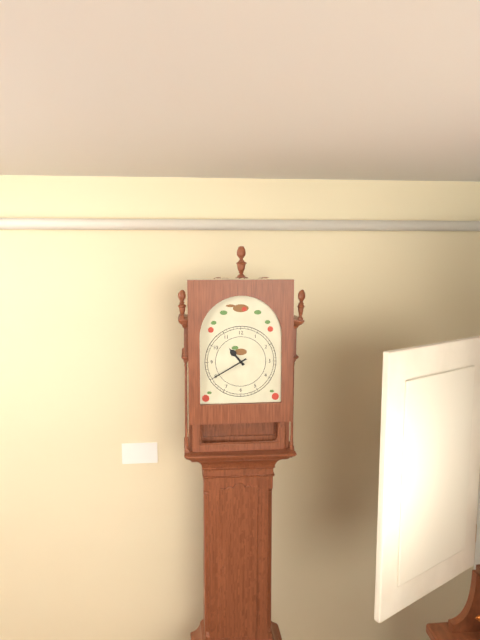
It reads {"hour": 10, "minute": 40}
